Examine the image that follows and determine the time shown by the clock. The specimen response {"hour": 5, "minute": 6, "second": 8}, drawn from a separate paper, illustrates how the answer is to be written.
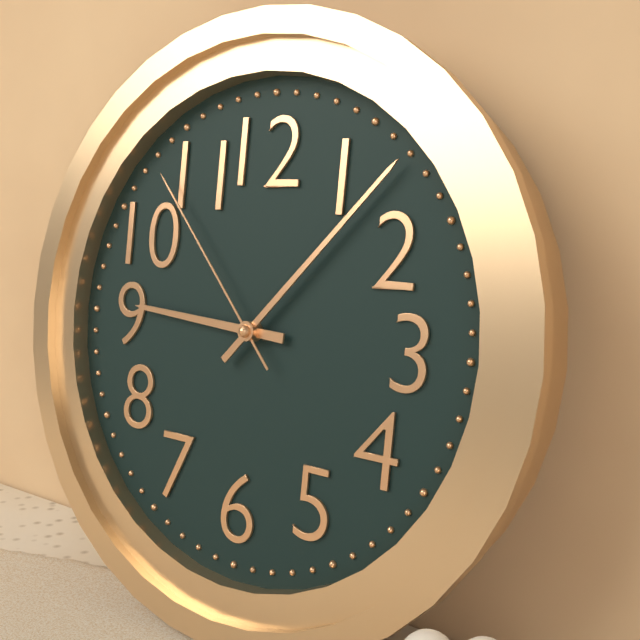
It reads {"hour": 9, "minute": 7, "second": 53}
